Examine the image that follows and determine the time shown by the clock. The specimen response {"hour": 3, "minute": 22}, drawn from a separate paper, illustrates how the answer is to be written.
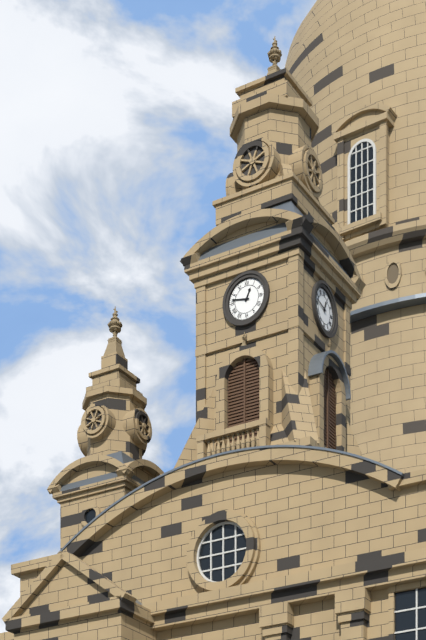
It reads {"hour": 12, "minute": 47}
